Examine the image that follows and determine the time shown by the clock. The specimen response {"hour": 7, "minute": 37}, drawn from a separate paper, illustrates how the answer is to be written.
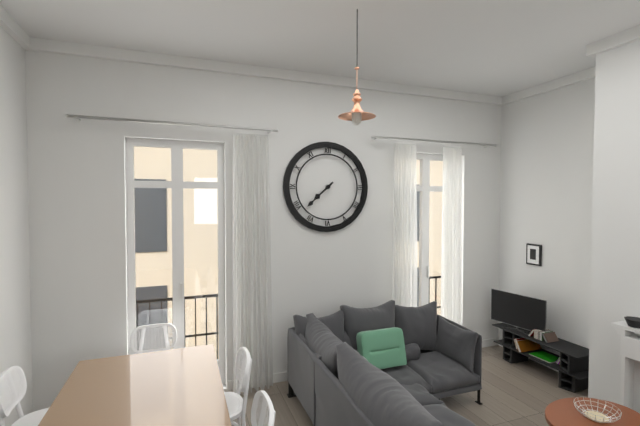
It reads {"hour": 7, "minute": 38}
